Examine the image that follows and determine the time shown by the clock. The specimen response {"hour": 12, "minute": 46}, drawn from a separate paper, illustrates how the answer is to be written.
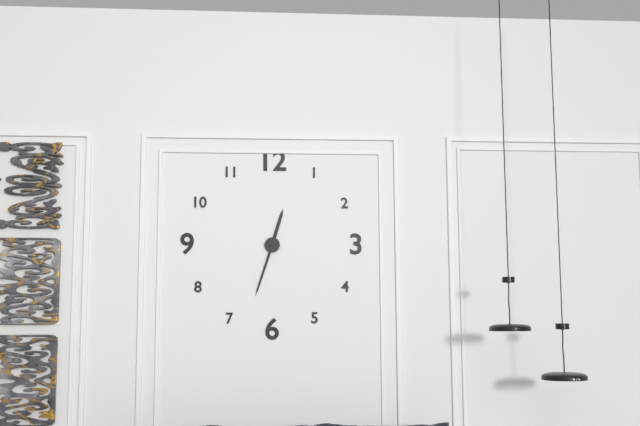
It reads {"hour": 12, "minute": 33}
